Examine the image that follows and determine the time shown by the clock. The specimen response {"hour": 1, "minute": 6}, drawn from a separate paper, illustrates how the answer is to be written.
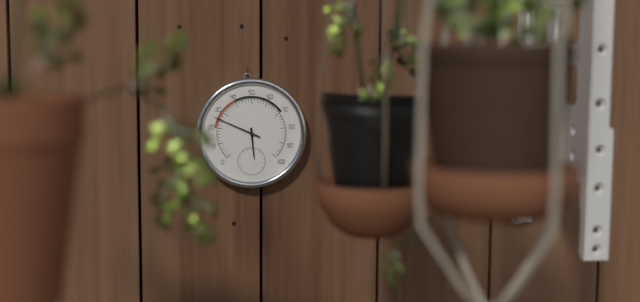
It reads {"hour": 5, "minute": 49}
